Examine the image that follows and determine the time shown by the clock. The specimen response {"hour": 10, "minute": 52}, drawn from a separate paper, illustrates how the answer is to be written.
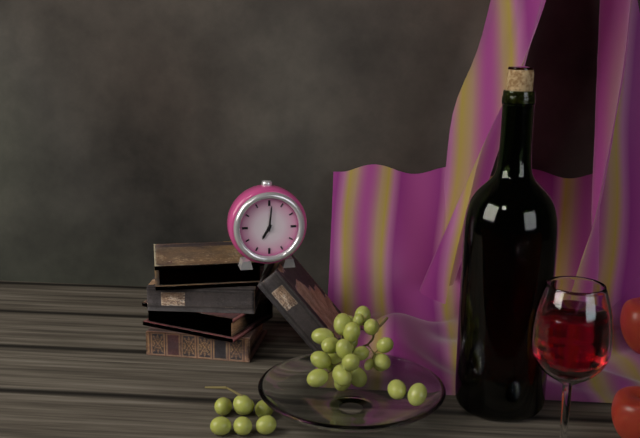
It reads {"hour": 7, "minute": 1}
